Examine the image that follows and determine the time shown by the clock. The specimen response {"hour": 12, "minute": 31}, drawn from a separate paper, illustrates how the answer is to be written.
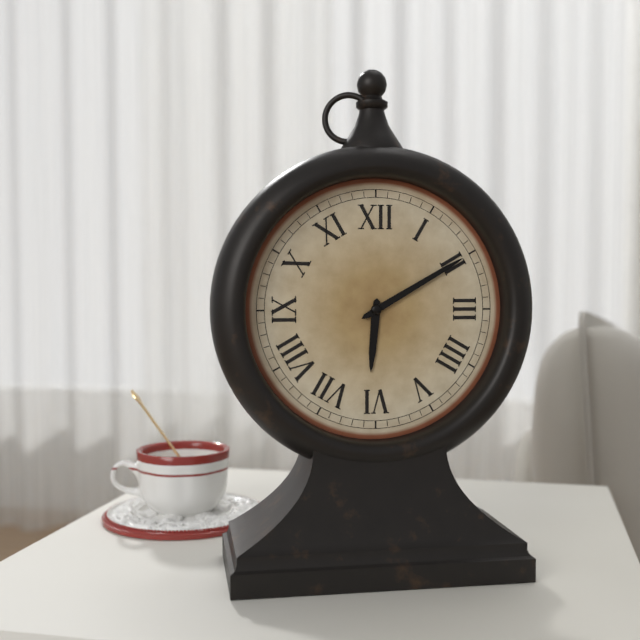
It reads {"hour": 6, "minute": 10}
